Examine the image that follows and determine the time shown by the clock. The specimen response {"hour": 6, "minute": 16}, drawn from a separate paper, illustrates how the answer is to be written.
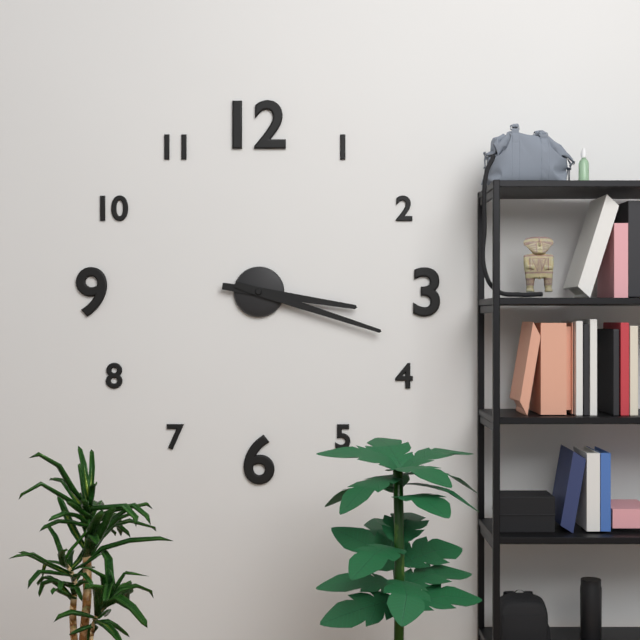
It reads {"hour": 3, "minute": 18}
